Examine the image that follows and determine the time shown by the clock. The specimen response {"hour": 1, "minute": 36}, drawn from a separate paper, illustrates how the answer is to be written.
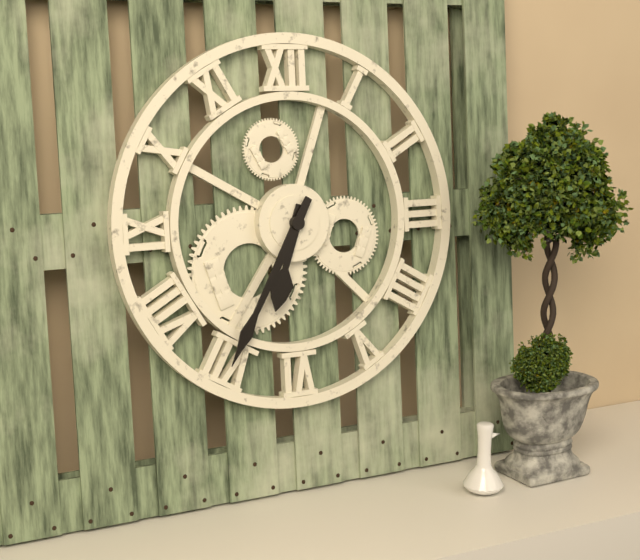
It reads {"hour": 6, "minute": 35}
